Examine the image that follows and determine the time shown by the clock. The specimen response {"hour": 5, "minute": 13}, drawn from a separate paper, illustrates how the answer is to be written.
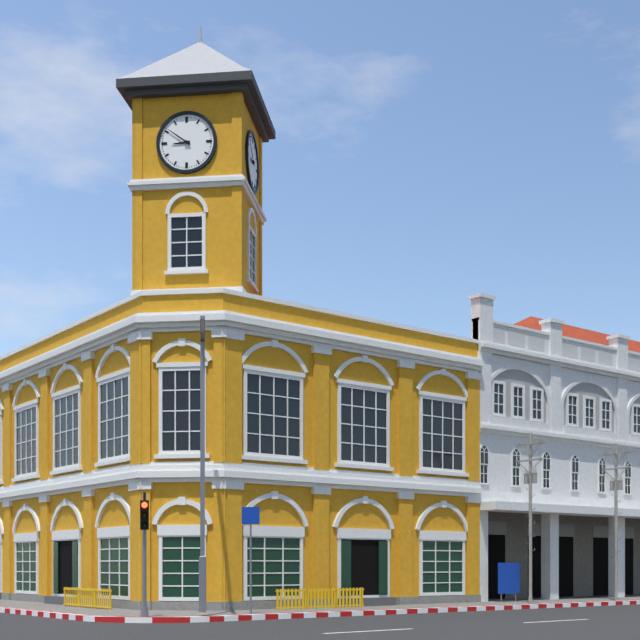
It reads {"hour": 8, "minute": 51}
